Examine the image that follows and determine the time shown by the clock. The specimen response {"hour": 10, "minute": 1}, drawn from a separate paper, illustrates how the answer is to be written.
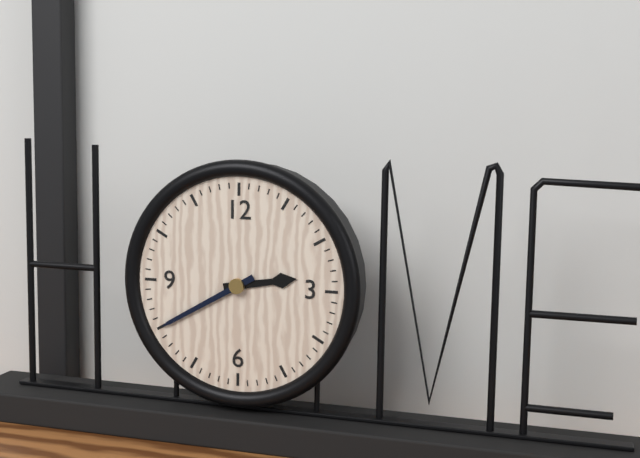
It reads {"hour": 2, "minute": 40}
